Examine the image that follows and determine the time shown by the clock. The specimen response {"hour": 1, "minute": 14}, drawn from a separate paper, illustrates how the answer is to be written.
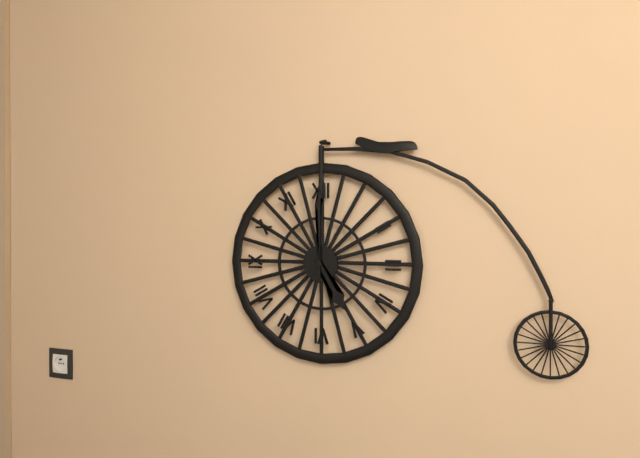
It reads {"hour": 5, "minute": 0}
